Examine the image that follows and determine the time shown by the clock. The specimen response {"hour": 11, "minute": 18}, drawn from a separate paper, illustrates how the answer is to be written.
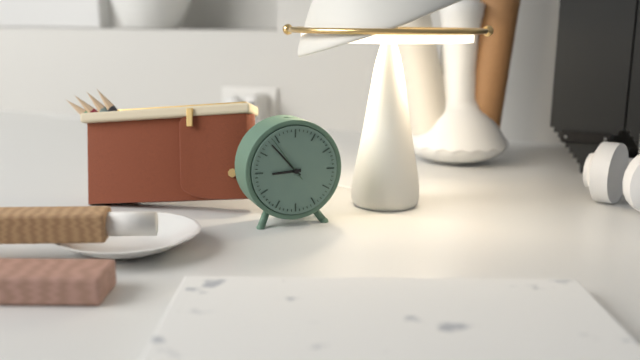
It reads {"hour": 8, "minute": 53}
